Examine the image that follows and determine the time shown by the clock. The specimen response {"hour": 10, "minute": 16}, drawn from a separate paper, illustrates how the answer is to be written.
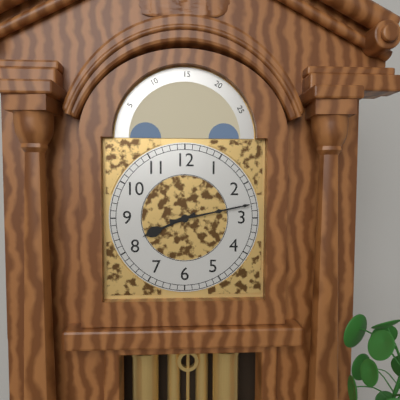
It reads {"hour": 8, "minute": 13}
